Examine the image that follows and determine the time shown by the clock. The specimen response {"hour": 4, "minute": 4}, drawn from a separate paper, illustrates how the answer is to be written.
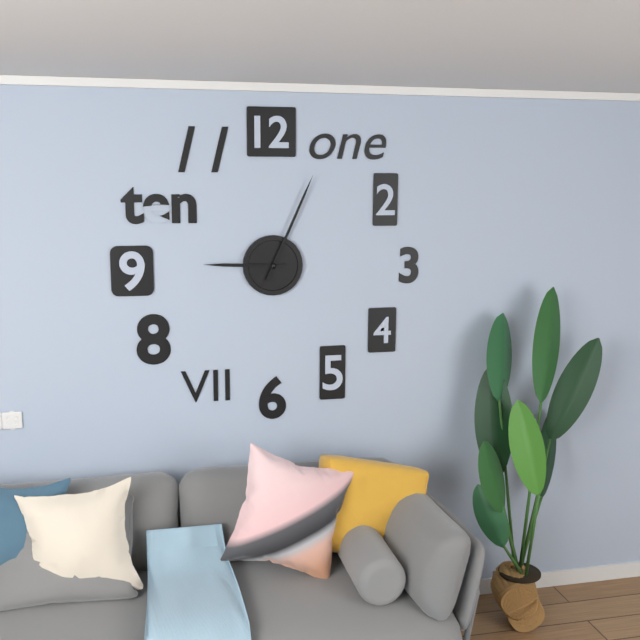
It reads {"hour": 9, "minute": 4}
